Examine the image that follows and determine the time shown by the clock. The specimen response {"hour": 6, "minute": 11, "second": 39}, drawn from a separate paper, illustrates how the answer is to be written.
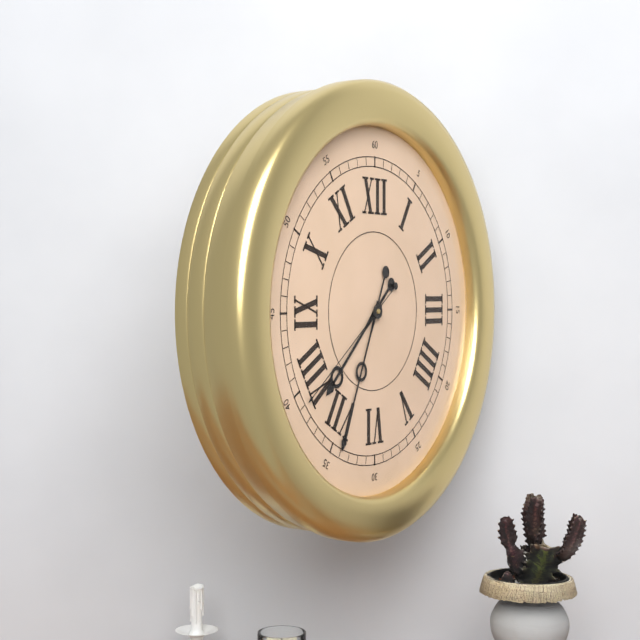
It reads {"hour": 7, "minute": 34, "second": 39}
